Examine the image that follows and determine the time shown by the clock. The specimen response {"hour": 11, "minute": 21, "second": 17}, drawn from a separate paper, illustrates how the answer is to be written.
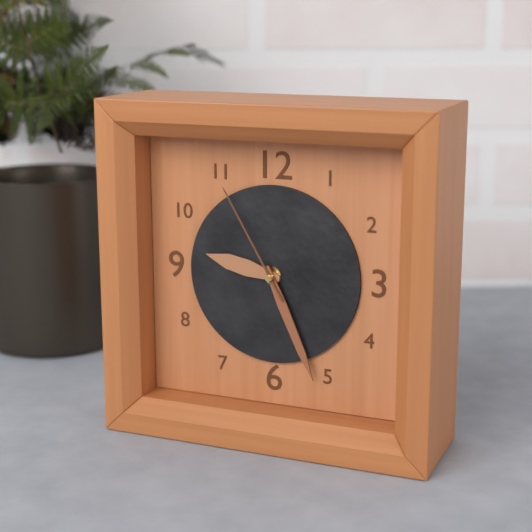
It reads {"hour": 9, "minute": 26, "second": 55}
